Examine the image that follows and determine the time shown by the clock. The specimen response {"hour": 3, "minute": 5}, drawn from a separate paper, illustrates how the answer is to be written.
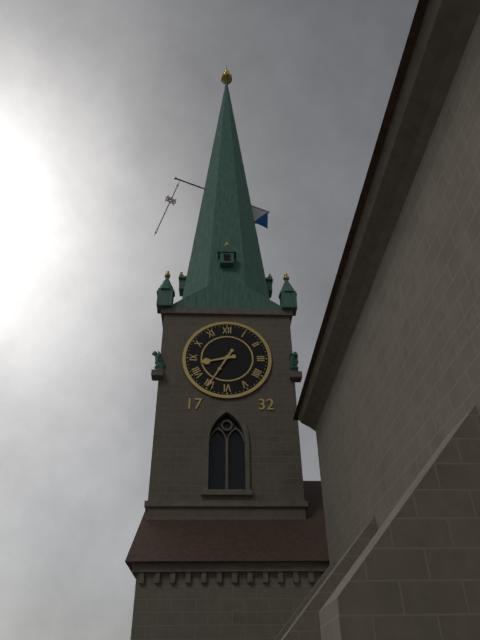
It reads {"hour": 8, "minute": 35}
